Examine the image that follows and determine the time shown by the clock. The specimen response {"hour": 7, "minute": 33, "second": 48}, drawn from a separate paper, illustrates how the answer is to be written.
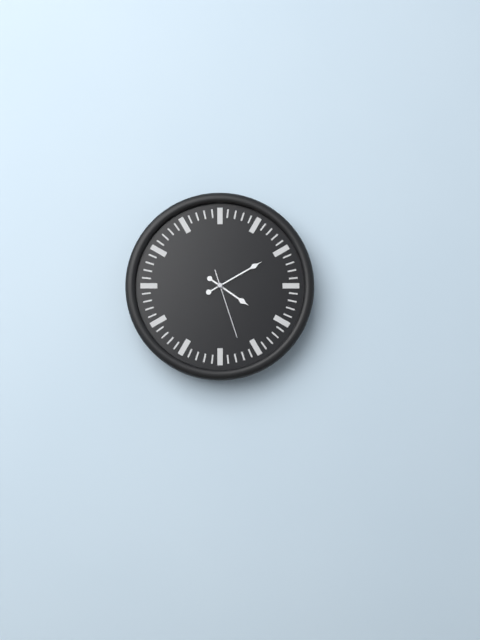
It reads {"hour": 4, "minute": 10, "second": 27}
